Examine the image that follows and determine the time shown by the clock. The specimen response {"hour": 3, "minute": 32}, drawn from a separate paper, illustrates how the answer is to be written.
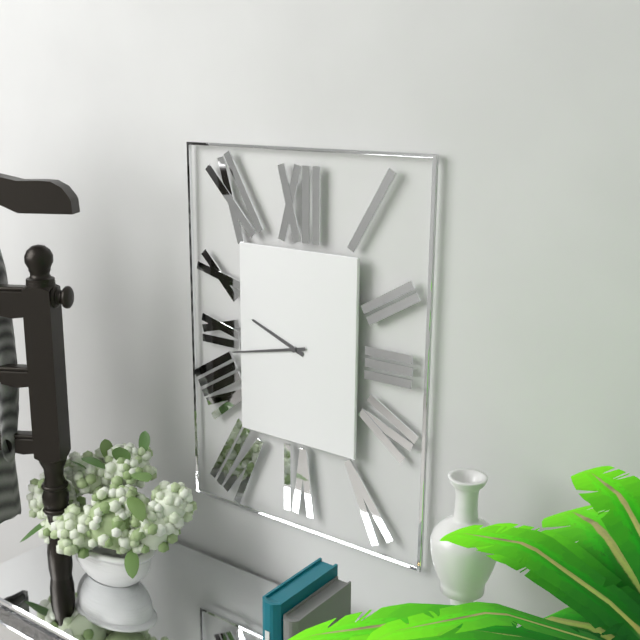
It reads {"hour": 9, "minute": 43}
